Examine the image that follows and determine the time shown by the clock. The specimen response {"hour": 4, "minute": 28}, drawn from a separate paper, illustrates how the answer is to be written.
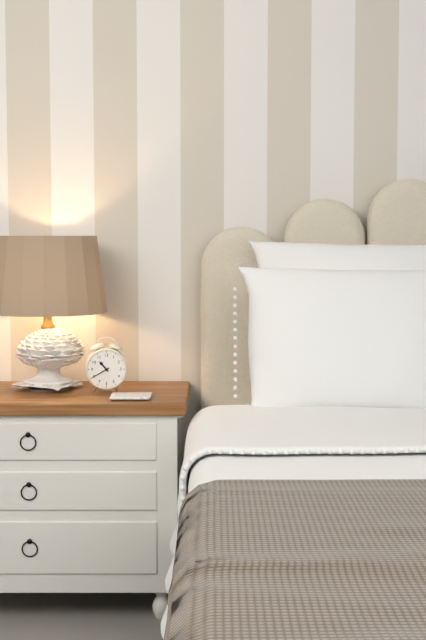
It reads {"hour": 10, "minute": 40}
